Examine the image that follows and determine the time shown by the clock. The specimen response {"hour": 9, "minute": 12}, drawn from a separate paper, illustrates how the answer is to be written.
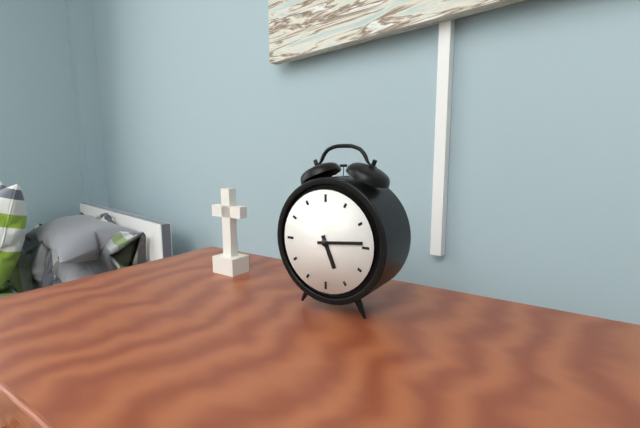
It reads {"hour": 5, "minute": 14}
